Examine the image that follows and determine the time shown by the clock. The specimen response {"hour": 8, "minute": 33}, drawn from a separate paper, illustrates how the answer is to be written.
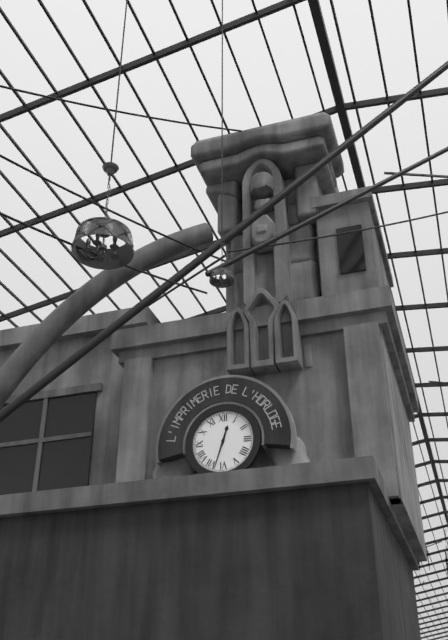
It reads {"hour": 12, "minute": 33}
